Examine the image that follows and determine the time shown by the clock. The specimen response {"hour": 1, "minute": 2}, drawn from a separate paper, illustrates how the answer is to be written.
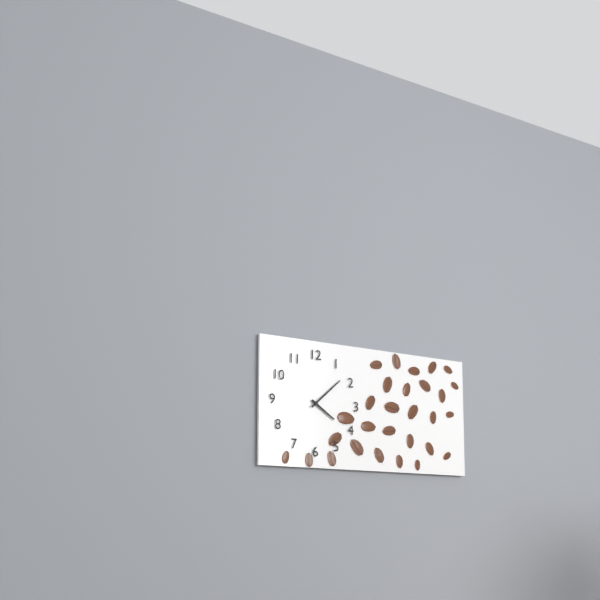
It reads {"hour": 4, "minute": 8}
